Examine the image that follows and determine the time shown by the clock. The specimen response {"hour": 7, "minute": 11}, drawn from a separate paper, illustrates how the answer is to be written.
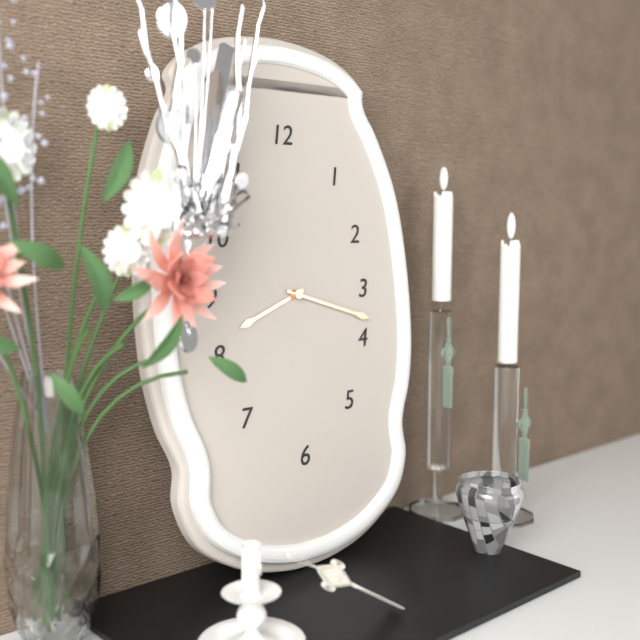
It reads {"hour": 8, "minute": 18}
